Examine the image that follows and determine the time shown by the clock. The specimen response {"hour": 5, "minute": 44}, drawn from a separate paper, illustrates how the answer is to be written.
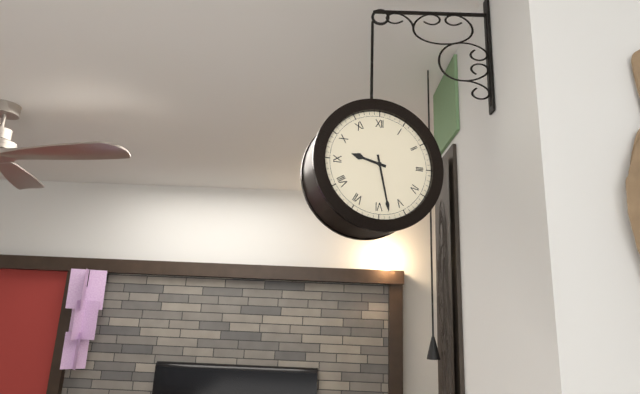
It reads {"hour": 9, "minute": 28}
